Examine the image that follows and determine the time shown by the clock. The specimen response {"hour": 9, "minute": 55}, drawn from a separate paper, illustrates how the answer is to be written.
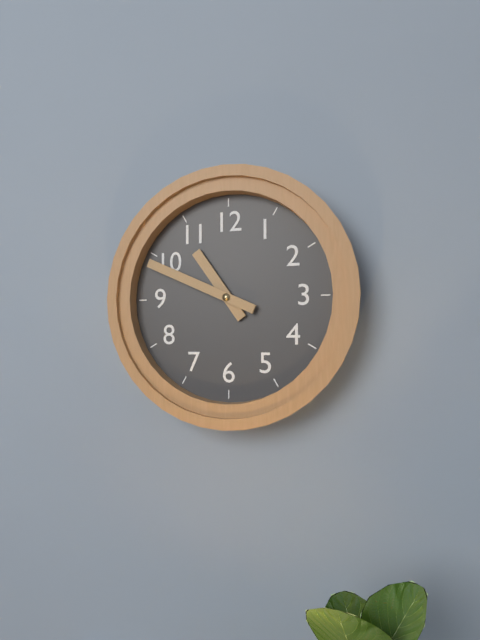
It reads {"hour": 10, "minute": 49}
